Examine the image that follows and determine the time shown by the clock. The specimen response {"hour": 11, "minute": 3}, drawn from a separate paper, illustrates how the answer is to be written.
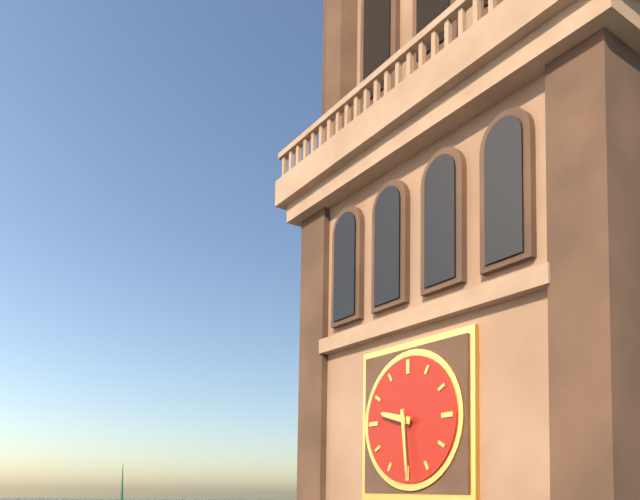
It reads {"hour": 9, "minute": 29}
